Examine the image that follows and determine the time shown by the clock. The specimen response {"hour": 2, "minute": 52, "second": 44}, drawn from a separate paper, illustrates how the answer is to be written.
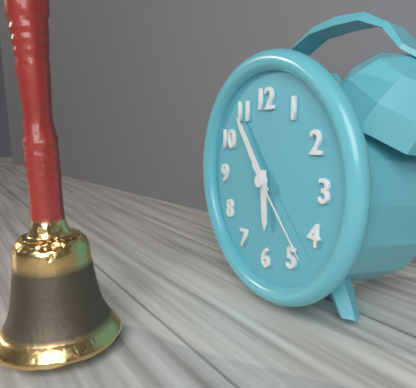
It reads {"hour": 5, "minute": 54, "second": 23}
